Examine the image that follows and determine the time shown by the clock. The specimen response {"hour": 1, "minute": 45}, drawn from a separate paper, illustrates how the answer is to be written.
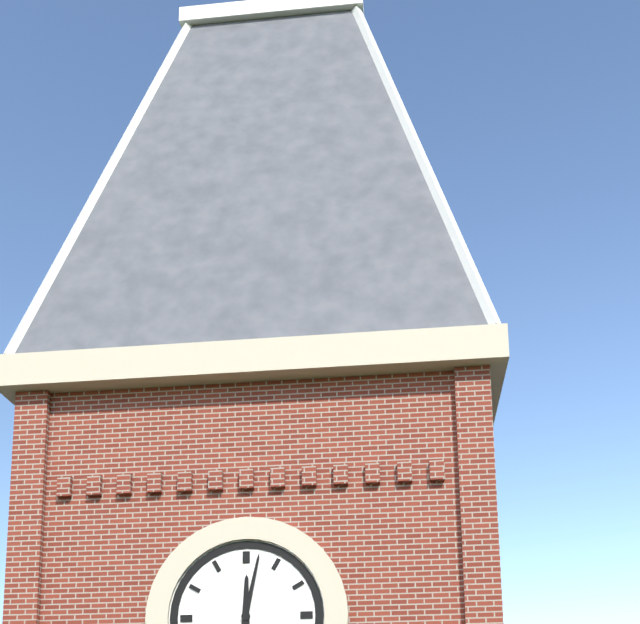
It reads {"hour": 12, "minute": 2}
